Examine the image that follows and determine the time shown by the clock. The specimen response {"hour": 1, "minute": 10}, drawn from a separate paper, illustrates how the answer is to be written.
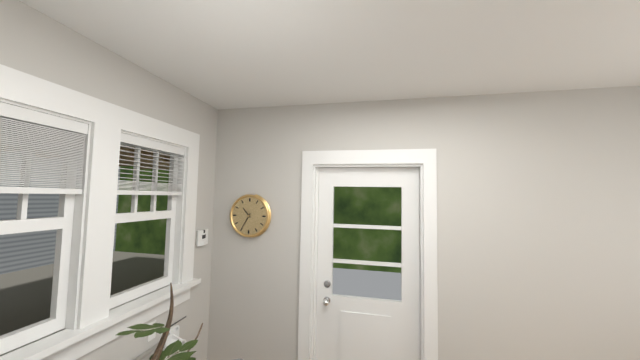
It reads {"hour": 10, "minute": 35}
